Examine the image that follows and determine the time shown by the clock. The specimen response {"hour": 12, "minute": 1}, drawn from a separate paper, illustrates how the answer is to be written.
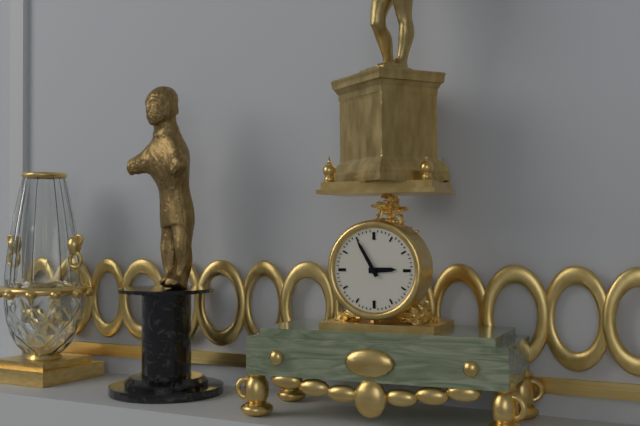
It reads {"hour": 2, "minute": 55}
